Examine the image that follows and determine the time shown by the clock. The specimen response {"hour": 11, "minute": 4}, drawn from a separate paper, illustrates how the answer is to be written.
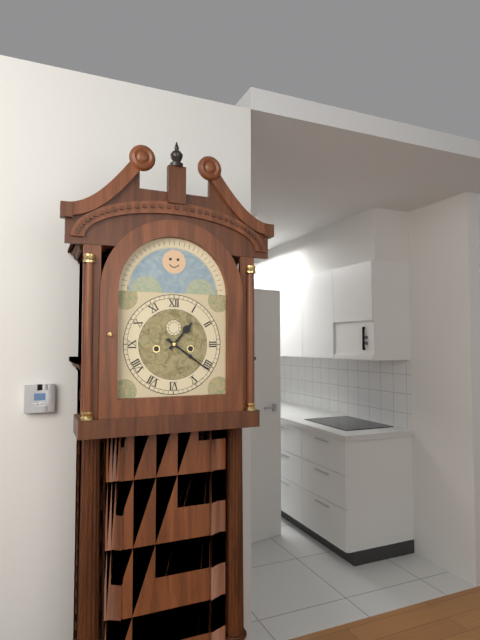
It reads {"hour": 1, "minute": 21}
